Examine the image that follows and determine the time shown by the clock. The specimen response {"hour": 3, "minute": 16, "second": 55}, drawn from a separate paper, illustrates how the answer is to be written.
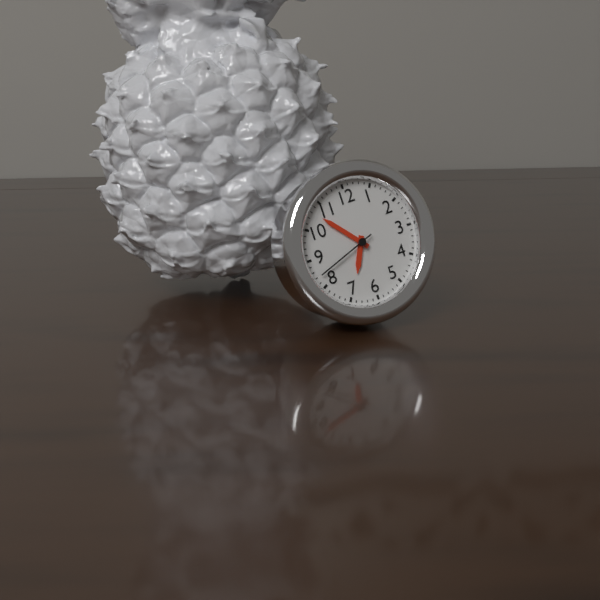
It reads {"hour": 6, "minute": 53, "second": 42}
